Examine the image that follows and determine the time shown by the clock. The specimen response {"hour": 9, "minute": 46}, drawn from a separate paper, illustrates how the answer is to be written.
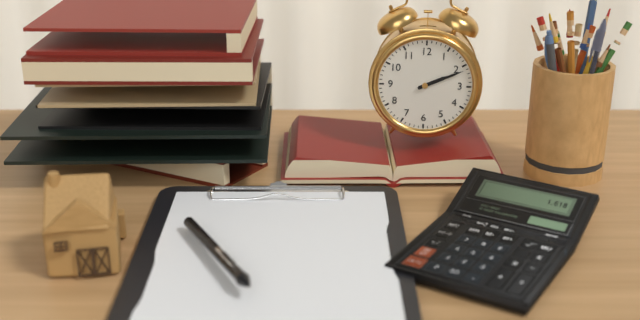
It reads {"hour": 2, "minute": 11}
